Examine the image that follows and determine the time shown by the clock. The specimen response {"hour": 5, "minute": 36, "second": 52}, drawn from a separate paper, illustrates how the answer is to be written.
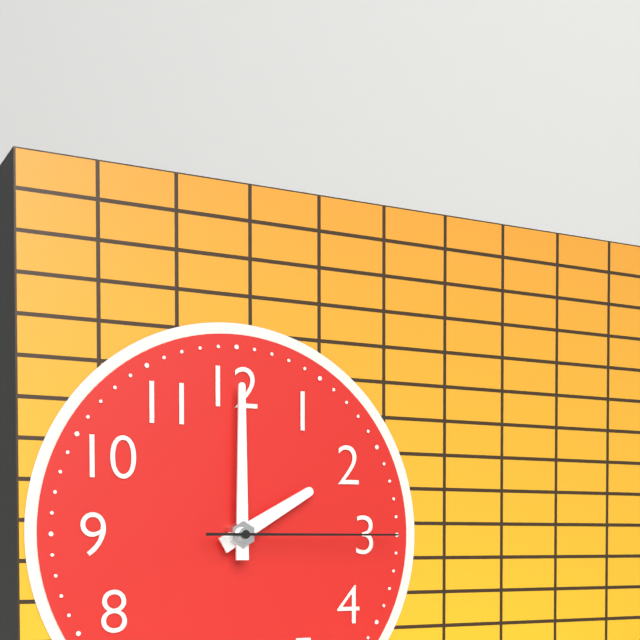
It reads {"hour": 2, "minute": 0, "second": 15}
